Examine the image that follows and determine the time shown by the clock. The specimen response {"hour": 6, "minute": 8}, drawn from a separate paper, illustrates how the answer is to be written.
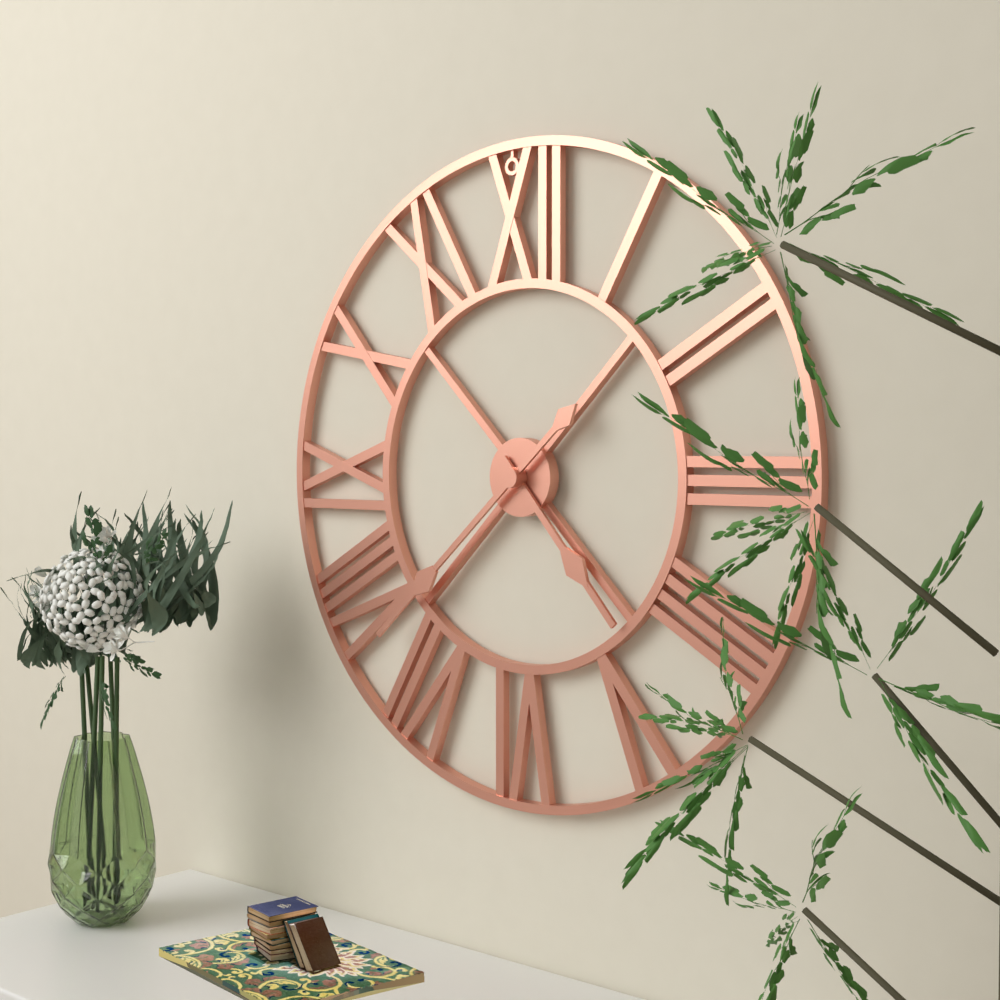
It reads {"hour": 4, "minute": 38}
